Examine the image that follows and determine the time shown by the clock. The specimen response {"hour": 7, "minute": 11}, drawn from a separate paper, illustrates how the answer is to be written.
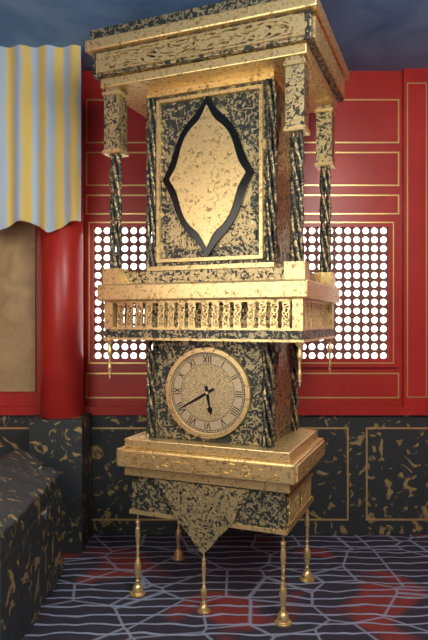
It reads {"hour": 5, "minute": 40}
